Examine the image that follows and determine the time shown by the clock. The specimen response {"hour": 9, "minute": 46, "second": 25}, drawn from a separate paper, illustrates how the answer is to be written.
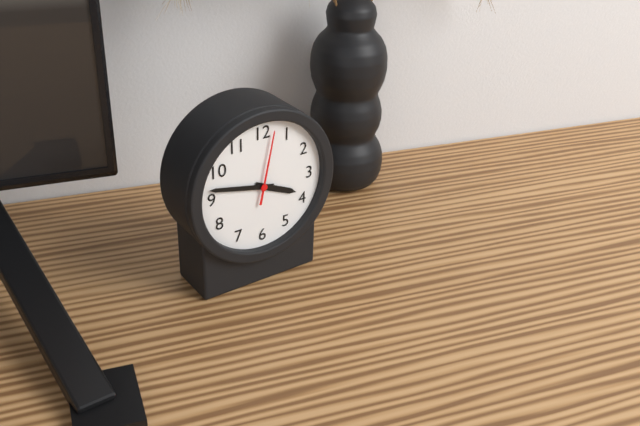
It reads {"hour": 3, "minute": 47, "second": 2}
